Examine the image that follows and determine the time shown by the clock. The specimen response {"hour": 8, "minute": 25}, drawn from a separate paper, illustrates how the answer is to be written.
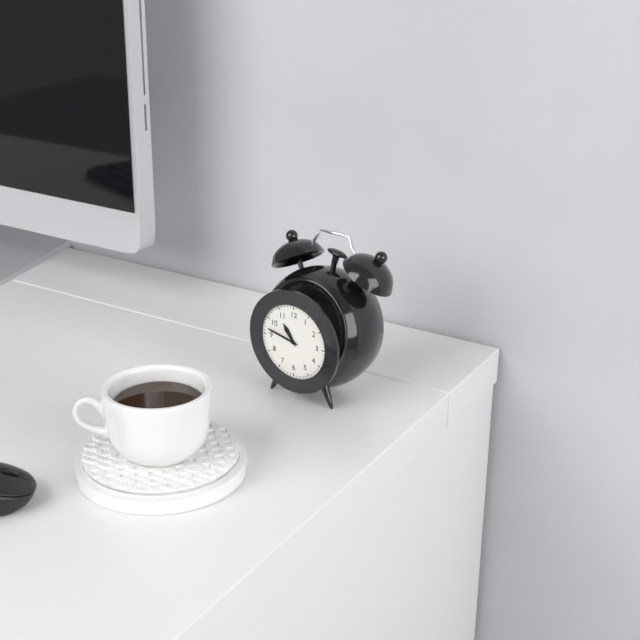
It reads {"hour": 10, "minute": 47}
